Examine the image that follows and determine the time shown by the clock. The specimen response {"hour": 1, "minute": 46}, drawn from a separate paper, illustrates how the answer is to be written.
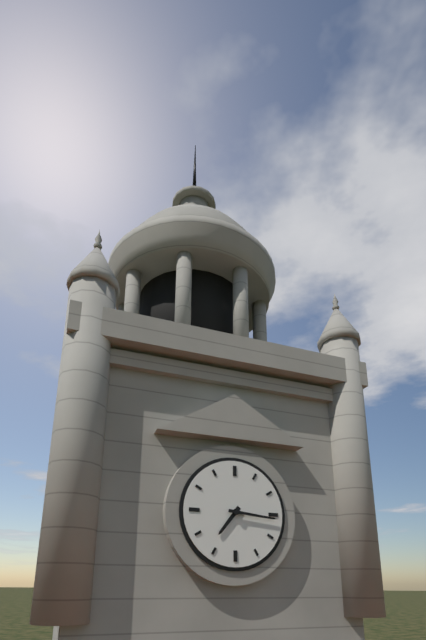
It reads {"hour": 7, "minute": 16}
